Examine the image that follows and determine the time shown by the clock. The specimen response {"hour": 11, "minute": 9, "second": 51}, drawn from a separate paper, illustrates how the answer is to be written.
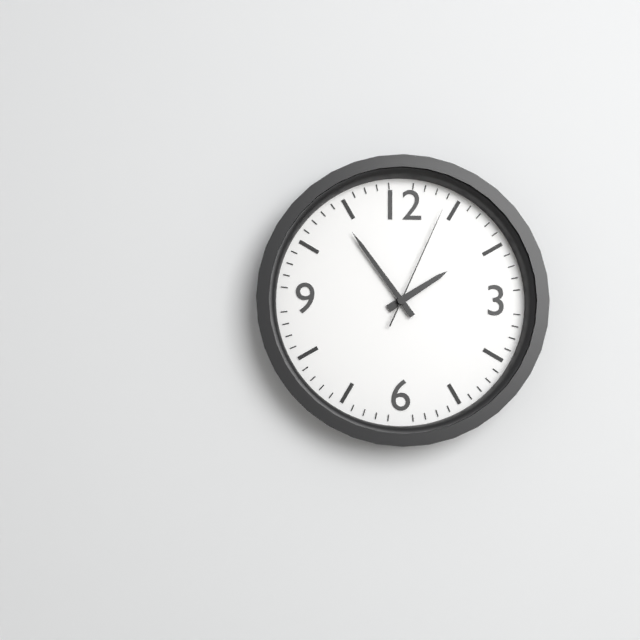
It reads {"hour": 1, "minute": 54, "second": 4}
